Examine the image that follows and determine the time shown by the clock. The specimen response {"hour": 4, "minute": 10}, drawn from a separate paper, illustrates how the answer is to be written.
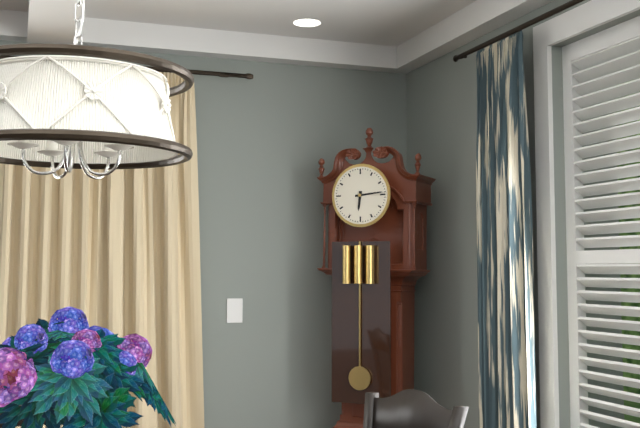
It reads {"hour": 6, "minute": 14}
